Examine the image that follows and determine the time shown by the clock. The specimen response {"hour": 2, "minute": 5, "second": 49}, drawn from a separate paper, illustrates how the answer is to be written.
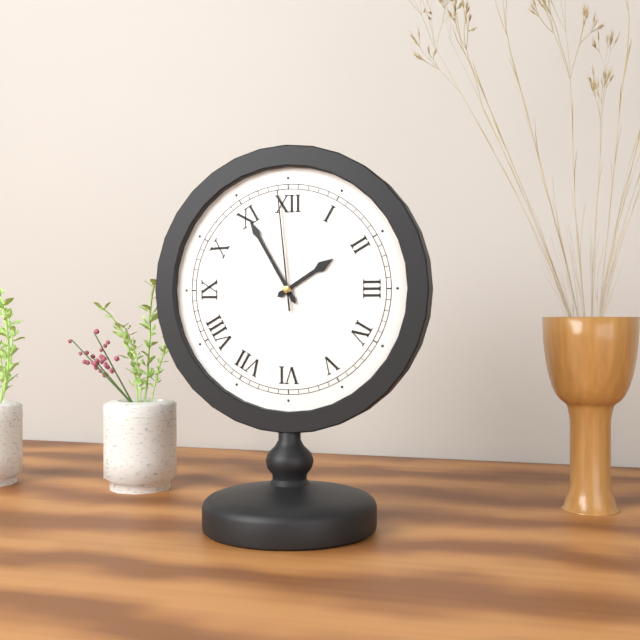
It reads {"hour": 1, "minute": 55, "second": 59}
